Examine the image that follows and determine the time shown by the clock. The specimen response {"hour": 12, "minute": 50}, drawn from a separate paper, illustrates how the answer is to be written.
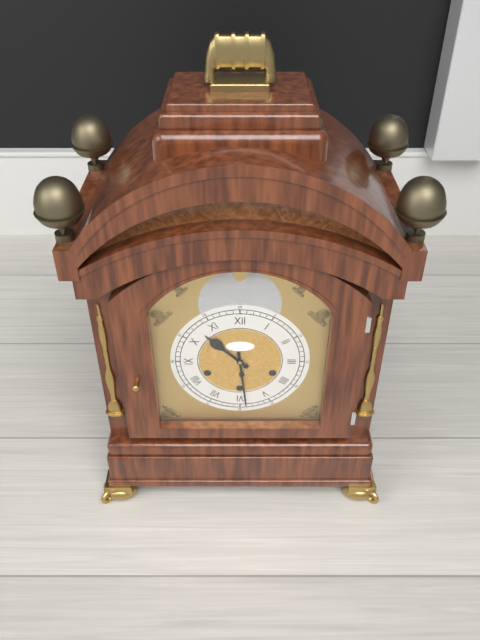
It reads {"hour": 10, "minute": 29}
